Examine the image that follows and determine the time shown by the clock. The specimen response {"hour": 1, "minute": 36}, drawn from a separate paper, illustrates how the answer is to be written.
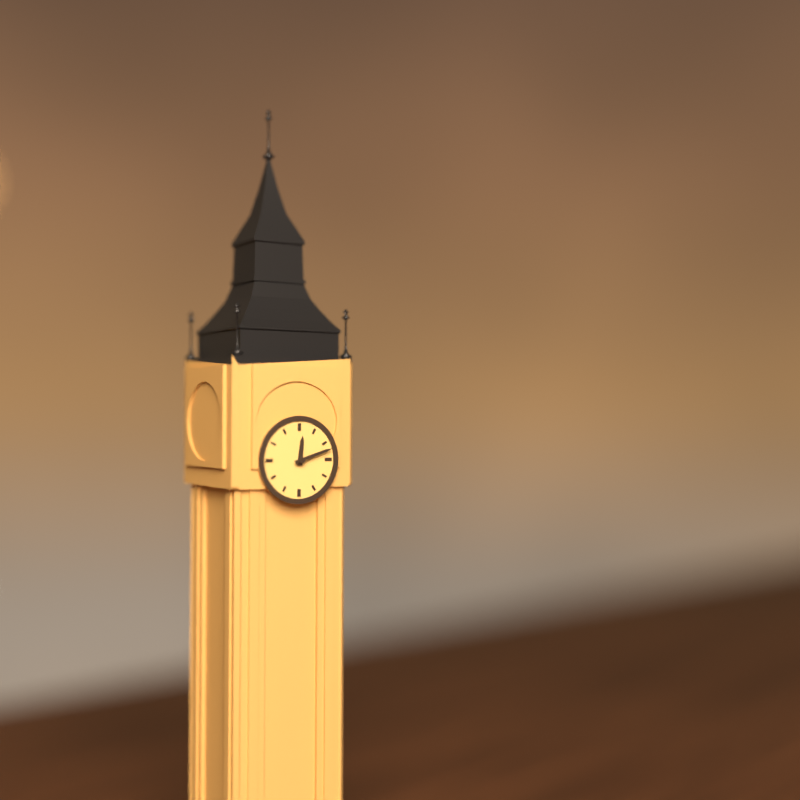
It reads {"hour": 12, "minute": 12}
